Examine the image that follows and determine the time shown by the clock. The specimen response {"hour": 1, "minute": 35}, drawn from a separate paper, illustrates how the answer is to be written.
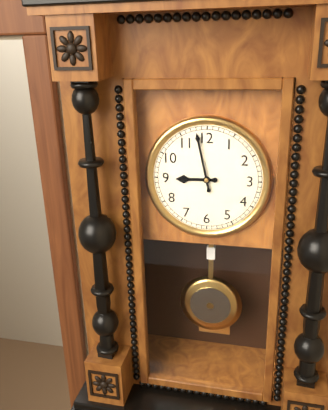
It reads {"hour": 8, "minute": 58}
